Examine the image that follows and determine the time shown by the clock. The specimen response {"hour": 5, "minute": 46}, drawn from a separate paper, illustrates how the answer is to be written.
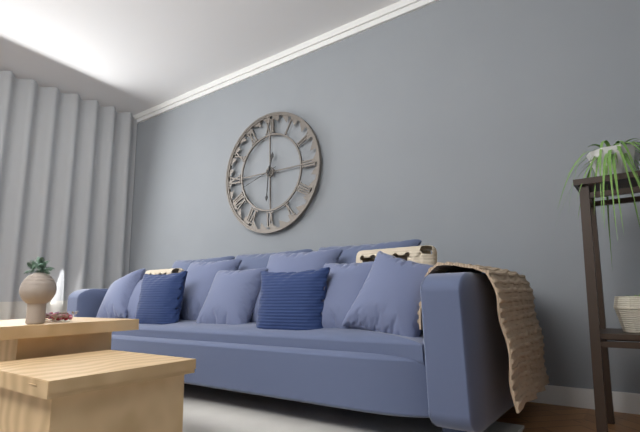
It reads {"hour": 12, "minute": 31}
